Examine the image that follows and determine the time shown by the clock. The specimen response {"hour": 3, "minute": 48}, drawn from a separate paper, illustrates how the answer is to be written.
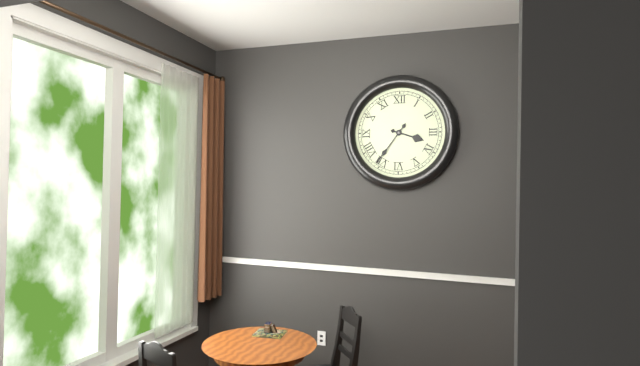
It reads {"hour": 3, "minute": 36}
